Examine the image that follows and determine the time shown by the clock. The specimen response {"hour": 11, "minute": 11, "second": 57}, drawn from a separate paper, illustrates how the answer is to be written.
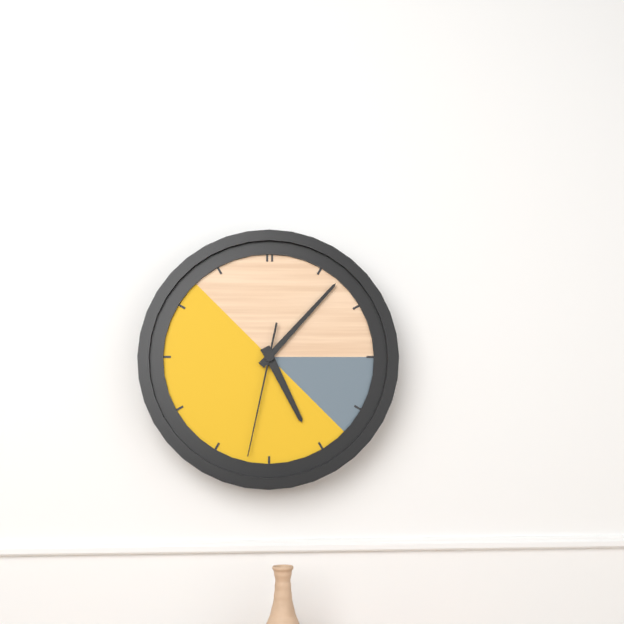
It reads {"hour": 5, "minute": 7, "second": 32}
